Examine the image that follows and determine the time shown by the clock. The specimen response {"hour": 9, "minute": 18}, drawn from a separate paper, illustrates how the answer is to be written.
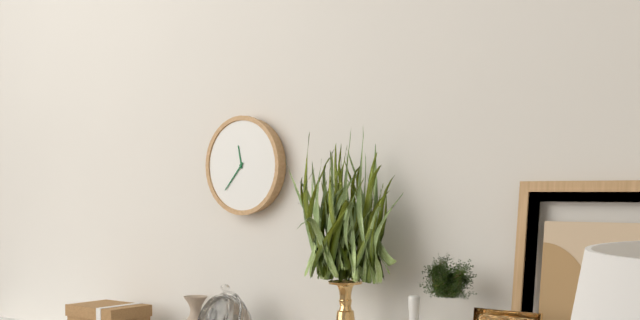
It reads {"hour": 11, "minute": 37}
